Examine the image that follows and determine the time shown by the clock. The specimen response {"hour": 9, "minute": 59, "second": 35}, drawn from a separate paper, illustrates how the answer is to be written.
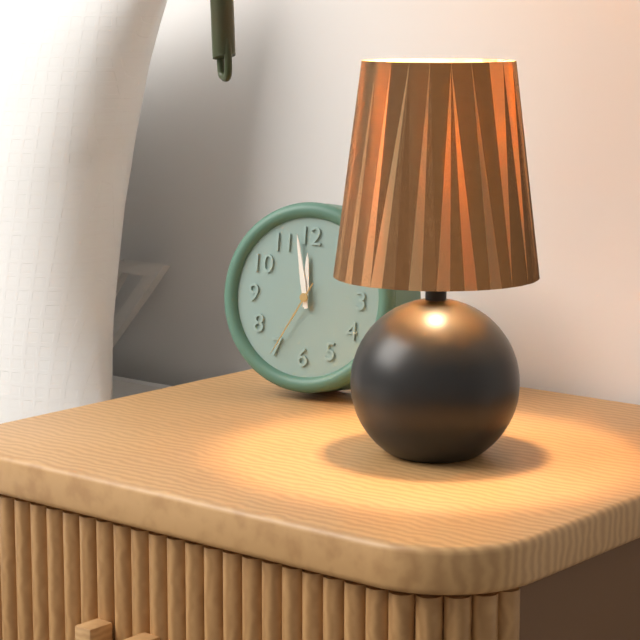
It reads {"hour": 11, "minute": 58, "second": 35}
